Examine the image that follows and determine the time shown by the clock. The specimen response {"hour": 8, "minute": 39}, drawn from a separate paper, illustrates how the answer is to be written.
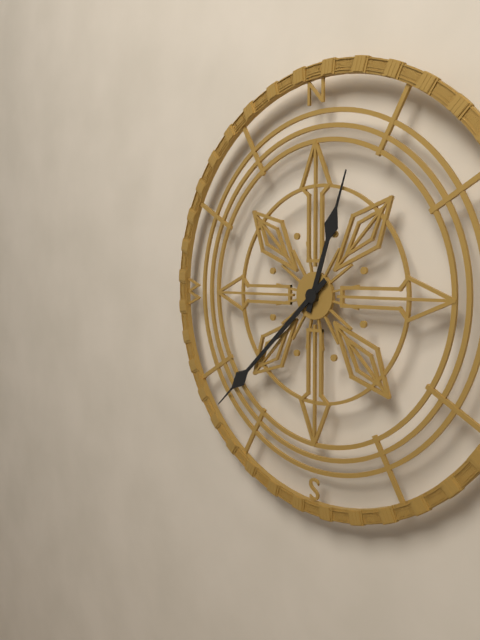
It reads {"hour": 12, "minute": 38}
